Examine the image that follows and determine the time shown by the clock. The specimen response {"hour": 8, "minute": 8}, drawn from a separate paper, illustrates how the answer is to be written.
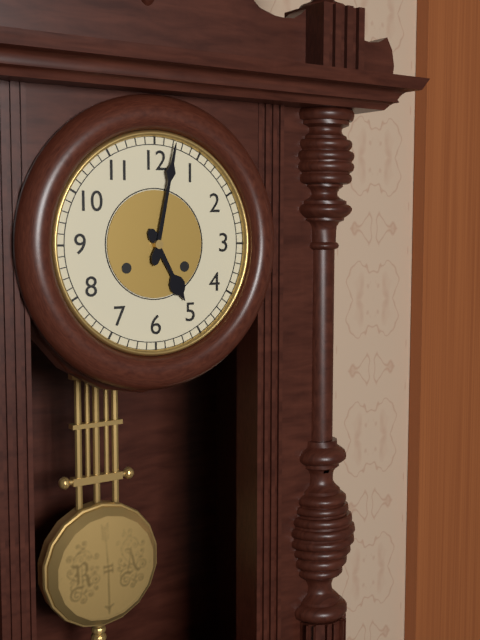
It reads {"hour": 5, "minute": 2}
